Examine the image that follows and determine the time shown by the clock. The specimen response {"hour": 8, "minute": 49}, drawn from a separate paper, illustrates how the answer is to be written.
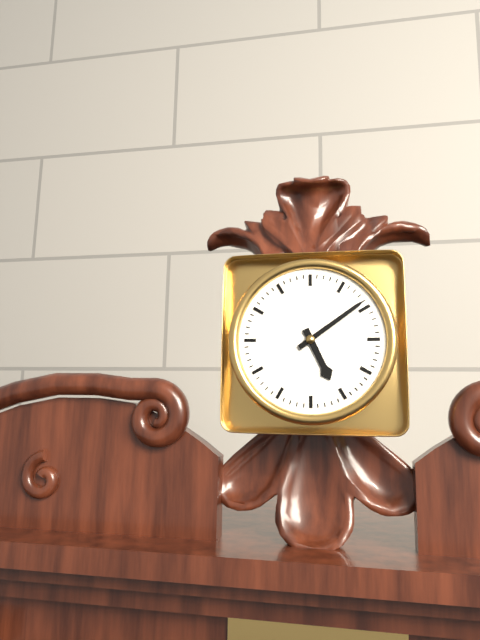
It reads {"hour": 5, "minute": 9}
